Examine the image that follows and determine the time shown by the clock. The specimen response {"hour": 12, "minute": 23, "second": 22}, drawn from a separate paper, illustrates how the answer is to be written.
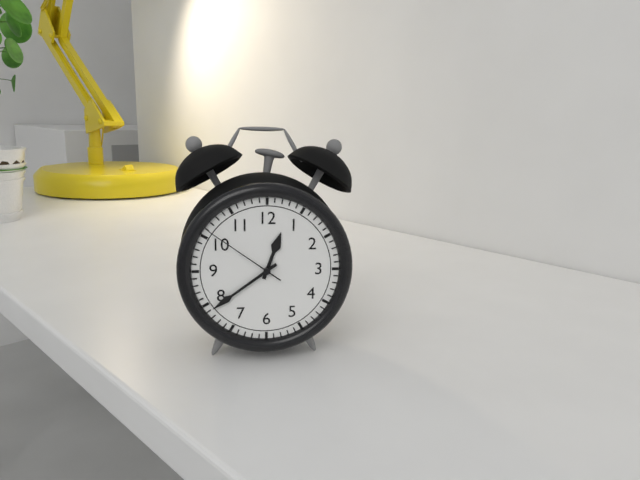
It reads {"hour": 12, "minute": 39, "second": 51}
